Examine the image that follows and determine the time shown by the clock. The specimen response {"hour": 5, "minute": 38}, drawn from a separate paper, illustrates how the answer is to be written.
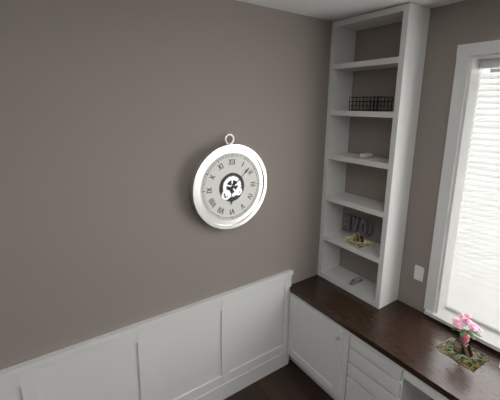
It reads {"hour": 6, "minute": 8}
